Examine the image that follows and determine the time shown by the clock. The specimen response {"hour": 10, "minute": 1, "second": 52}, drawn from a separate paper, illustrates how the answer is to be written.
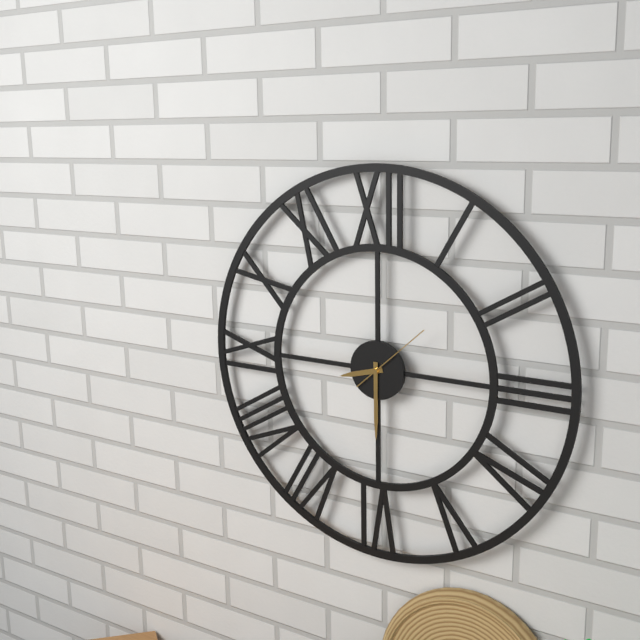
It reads {"hour": 8, "minute": 30, "second": 8}
